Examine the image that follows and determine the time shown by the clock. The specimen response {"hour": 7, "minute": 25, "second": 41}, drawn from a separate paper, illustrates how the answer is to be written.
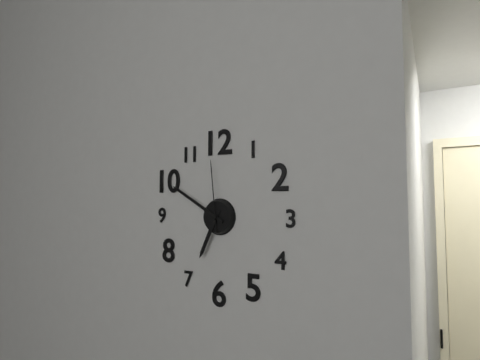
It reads {"hour": 6, "minute": 50, "second": 59}
